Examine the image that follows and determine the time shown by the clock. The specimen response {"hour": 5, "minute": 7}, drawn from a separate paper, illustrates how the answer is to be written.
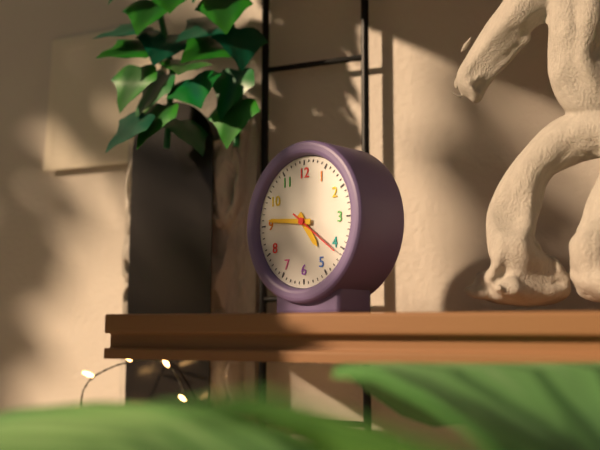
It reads {"hour": 4, "minute": 46}
